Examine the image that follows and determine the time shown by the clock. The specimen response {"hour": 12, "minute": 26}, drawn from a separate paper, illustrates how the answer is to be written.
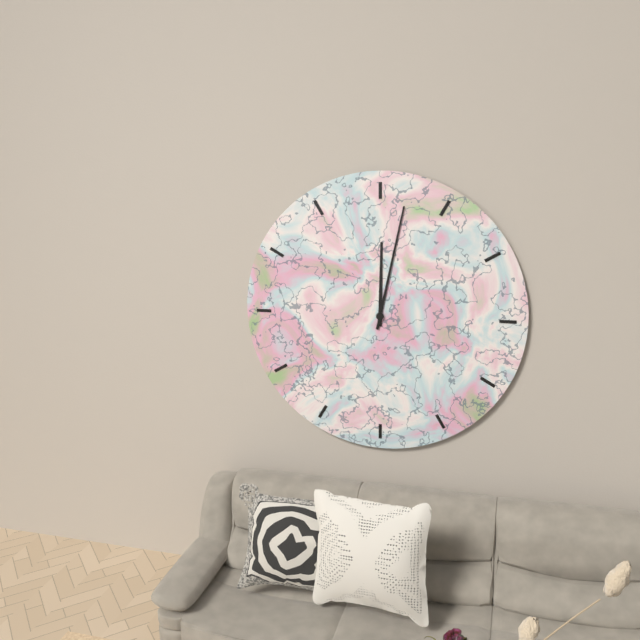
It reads {"hour": 12, "minute": 2}
